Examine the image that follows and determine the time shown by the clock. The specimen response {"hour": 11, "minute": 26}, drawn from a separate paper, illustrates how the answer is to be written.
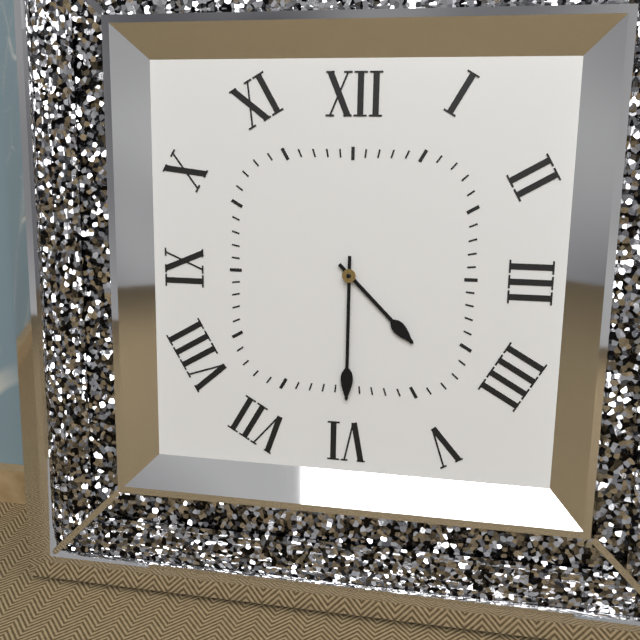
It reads {"hour": 4, "minute": 30}
